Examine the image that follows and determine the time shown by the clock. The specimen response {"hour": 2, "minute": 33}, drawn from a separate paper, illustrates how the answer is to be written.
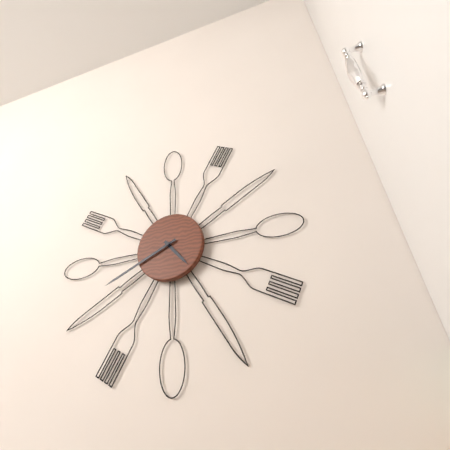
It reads {"hour": 4, "minute": 41}
